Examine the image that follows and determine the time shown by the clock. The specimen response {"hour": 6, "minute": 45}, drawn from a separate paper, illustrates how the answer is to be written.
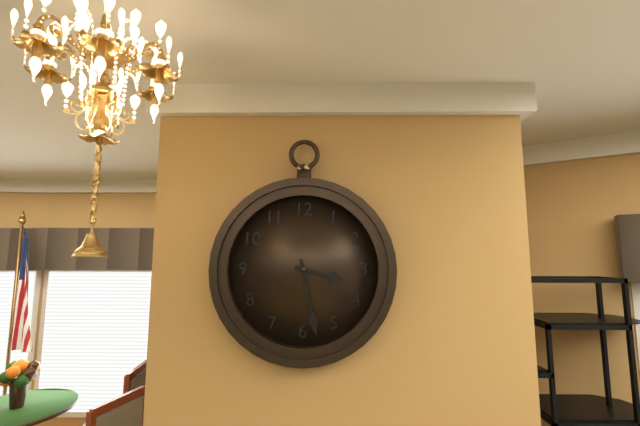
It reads {"hour": 3, "minute": 28}
